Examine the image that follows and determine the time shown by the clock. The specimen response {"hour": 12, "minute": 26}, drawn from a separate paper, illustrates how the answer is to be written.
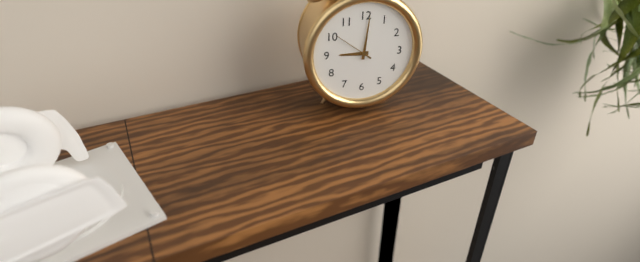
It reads {"hour": 9, "minute": 1}
